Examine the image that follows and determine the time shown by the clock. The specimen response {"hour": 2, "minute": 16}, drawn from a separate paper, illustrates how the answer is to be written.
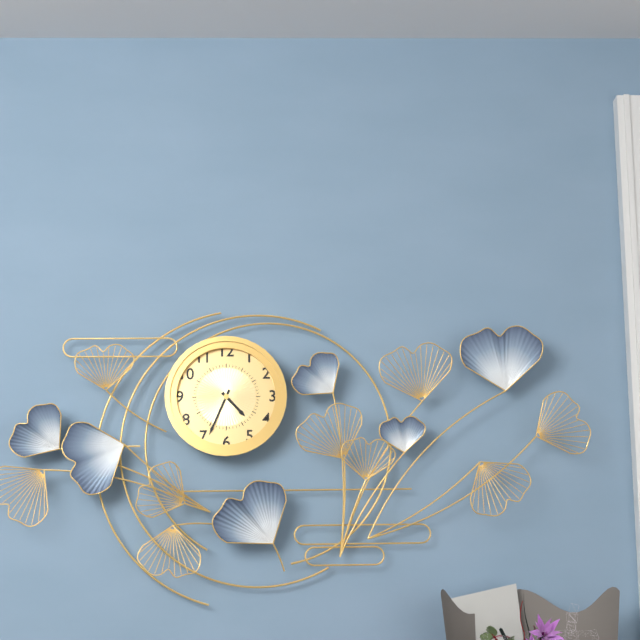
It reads {"hour": 4, "minute": 34}
